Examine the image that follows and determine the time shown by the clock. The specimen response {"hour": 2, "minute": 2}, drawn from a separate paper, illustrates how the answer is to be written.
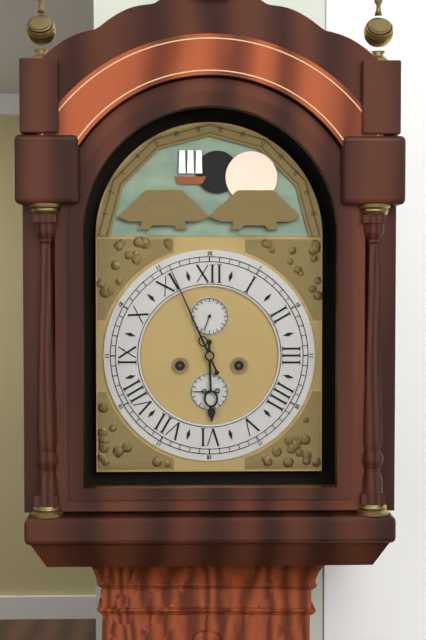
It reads {"hour": 5, "minute": 56}
